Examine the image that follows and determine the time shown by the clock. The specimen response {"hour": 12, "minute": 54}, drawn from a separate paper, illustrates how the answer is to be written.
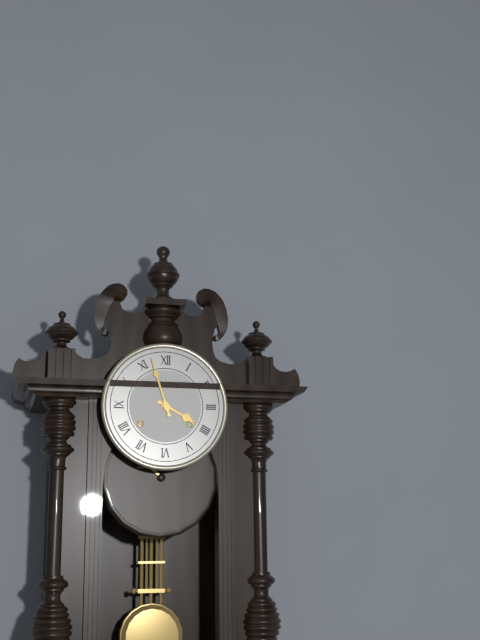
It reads {"hour": 3, "minute": 57}
